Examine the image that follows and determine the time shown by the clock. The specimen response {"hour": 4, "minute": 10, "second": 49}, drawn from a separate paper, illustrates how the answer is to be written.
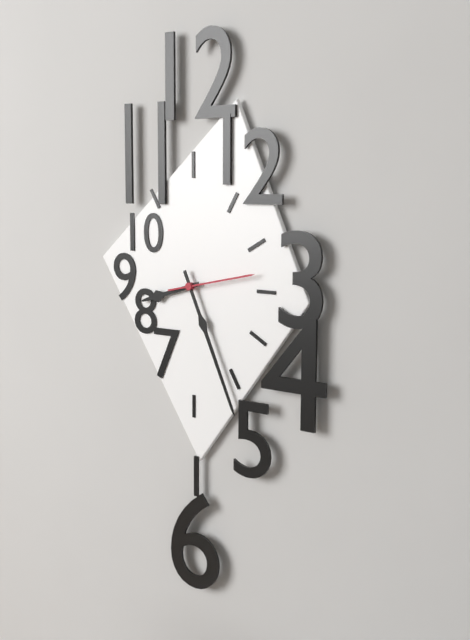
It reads {"hour": 8, "minute": 26, "second": 13}
